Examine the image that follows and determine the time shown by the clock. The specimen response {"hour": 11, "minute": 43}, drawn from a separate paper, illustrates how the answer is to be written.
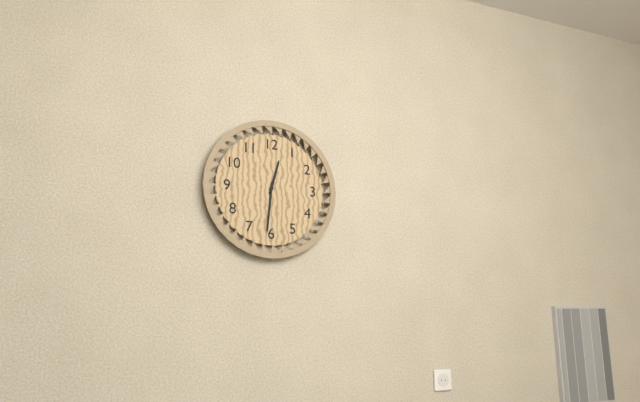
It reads {"hour": 12, "minute": 31}
